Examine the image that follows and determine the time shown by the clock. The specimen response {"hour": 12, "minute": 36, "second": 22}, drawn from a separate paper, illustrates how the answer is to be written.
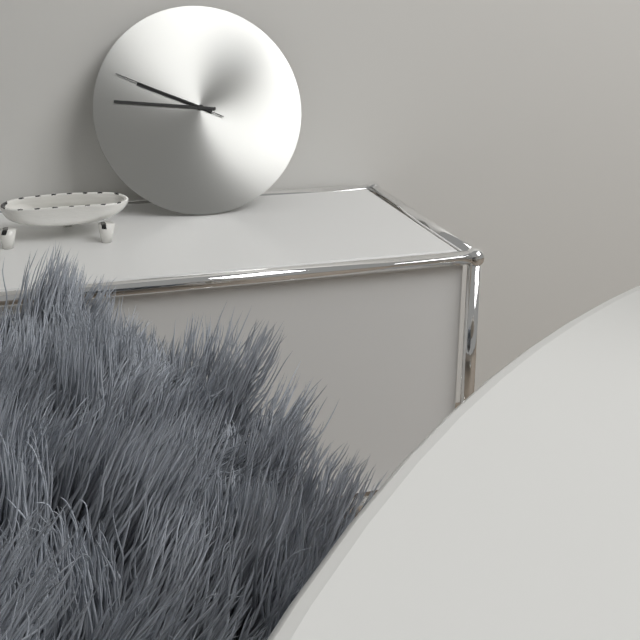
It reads {"hour": 9, "minute": 46, "second": 49}
